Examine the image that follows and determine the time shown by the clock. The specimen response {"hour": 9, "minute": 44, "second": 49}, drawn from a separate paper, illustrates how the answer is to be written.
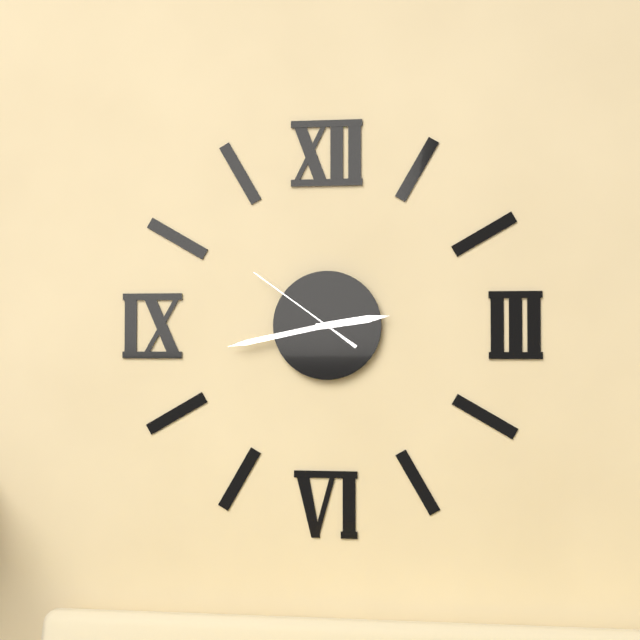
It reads {"hour": 2, "minute": 43, "second": 51}
